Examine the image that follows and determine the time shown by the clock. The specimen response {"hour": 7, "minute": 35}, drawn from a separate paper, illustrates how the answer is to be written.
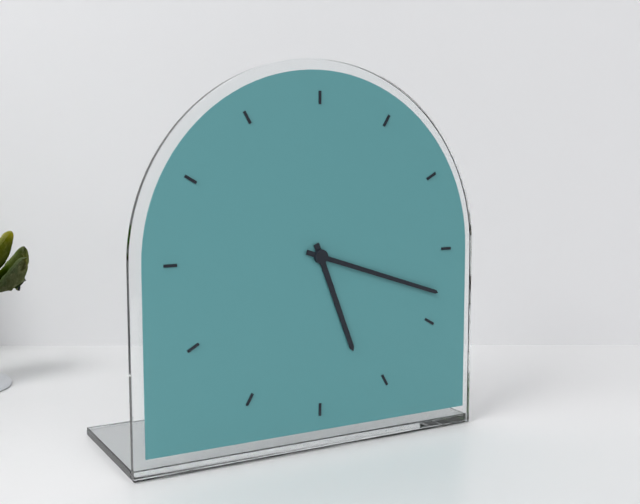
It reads {"hour": 5, "minute": 18}
